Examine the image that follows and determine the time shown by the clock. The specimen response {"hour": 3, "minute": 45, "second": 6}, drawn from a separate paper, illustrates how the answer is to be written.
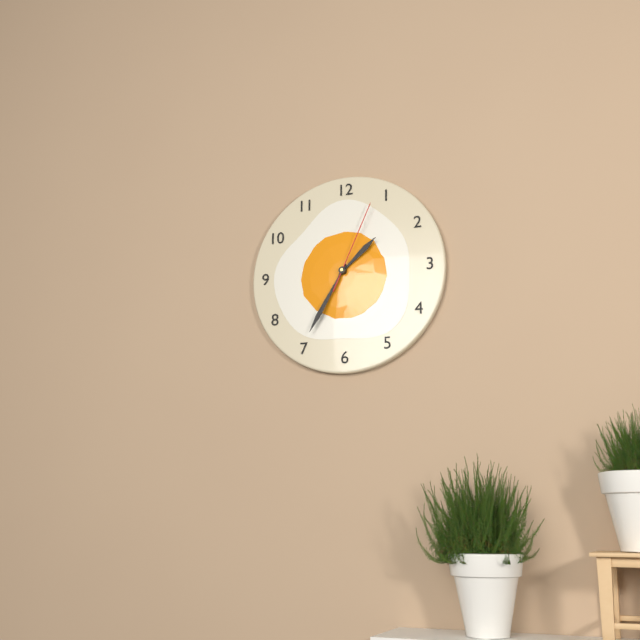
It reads {"hour": 1, "minute": 35, "second": 4}
